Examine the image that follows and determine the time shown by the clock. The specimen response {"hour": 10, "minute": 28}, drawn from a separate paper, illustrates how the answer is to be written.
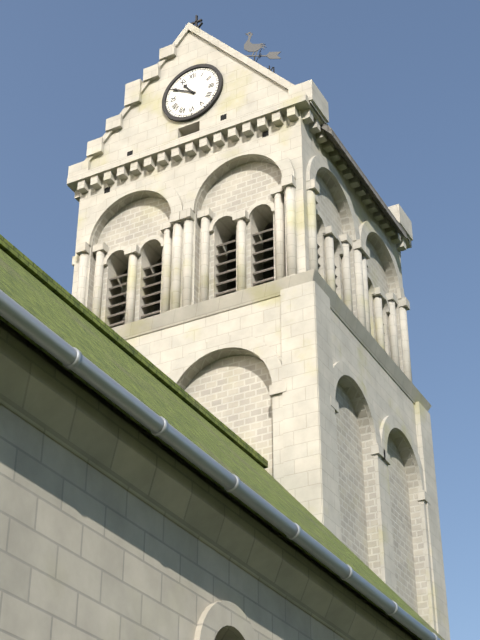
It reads {"hour": 10, "minute": 50}
